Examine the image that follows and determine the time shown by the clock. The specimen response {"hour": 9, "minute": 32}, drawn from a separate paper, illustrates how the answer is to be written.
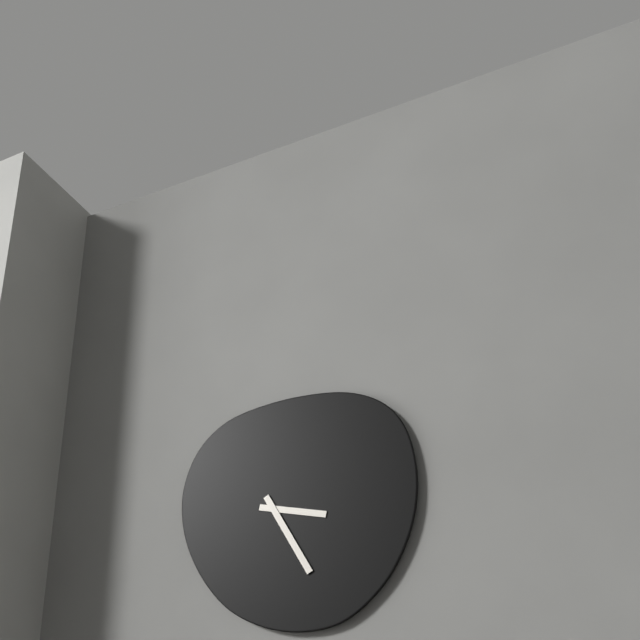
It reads {"hour": 3, "minute": 25}
